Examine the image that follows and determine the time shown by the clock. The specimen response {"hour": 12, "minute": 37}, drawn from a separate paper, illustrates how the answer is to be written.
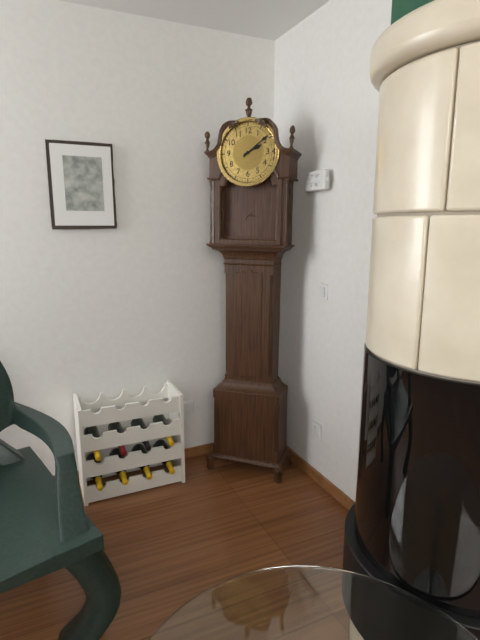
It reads {"hour": 2, "minute": 9}
